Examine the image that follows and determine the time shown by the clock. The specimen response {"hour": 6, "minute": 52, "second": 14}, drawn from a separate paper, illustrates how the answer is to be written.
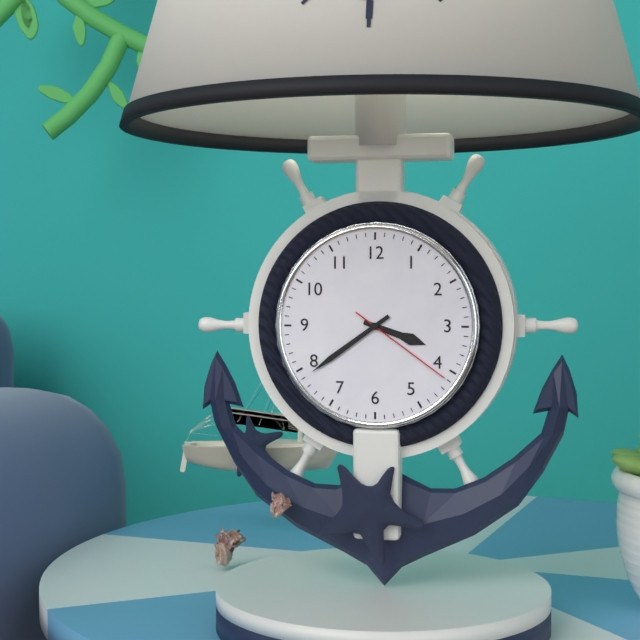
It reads {"hour": 3, "minute": 39, "second": 21}
